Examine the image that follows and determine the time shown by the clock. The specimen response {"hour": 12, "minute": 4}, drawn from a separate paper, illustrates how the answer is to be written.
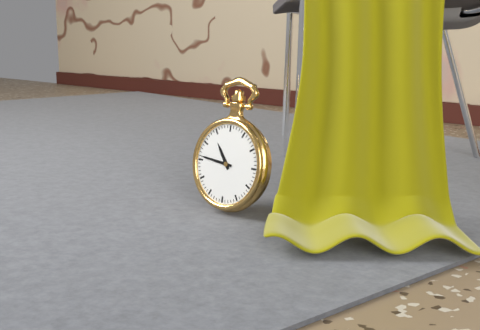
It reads {"hour": 10, "minute": 46}
